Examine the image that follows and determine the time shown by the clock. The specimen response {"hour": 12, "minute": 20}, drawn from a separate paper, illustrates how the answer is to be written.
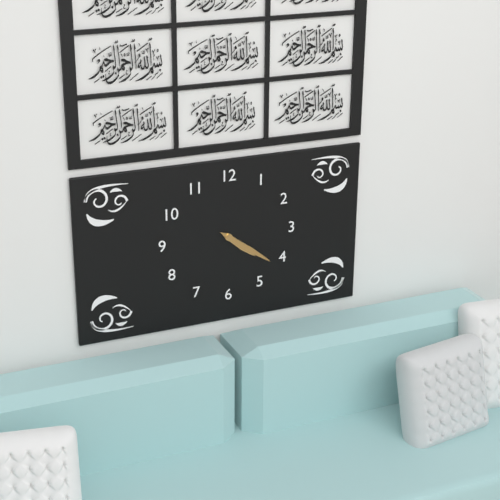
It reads {"hour": 4, "minute": 21}
